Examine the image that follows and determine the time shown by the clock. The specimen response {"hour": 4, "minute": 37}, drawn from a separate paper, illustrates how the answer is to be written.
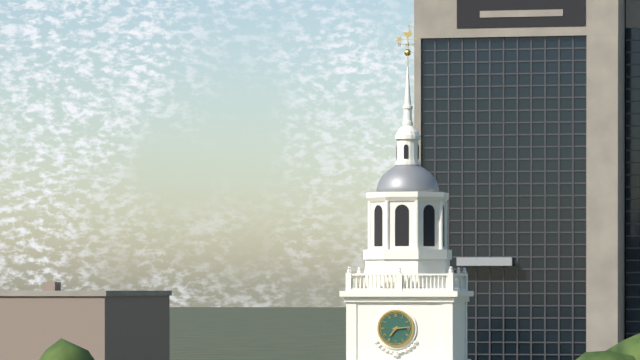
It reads {"hour": 7, "minute": 14}
